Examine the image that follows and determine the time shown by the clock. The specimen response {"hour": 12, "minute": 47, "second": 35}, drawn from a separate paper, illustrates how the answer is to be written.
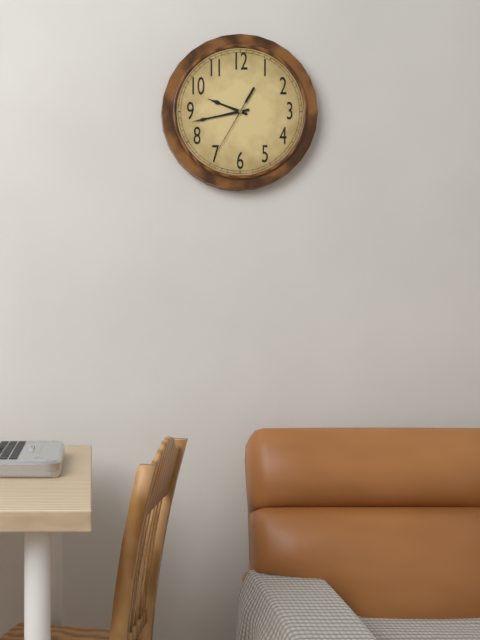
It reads {"hour": 9, "minute": 43, "second": 35}
